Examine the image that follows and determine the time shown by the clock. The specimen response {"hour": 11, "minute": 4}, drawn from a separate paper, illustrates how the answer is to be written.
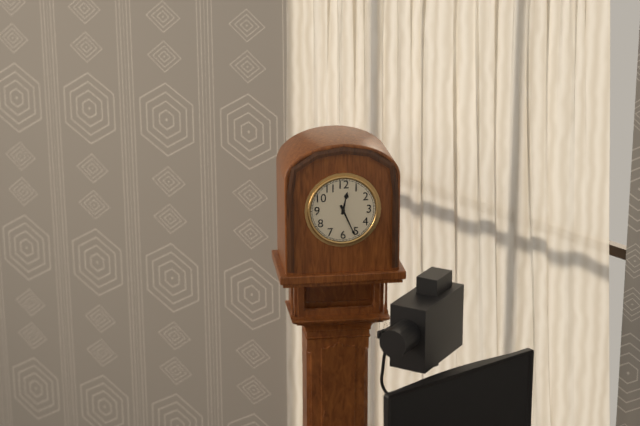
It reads {"hour": 12, "minute": 26}
